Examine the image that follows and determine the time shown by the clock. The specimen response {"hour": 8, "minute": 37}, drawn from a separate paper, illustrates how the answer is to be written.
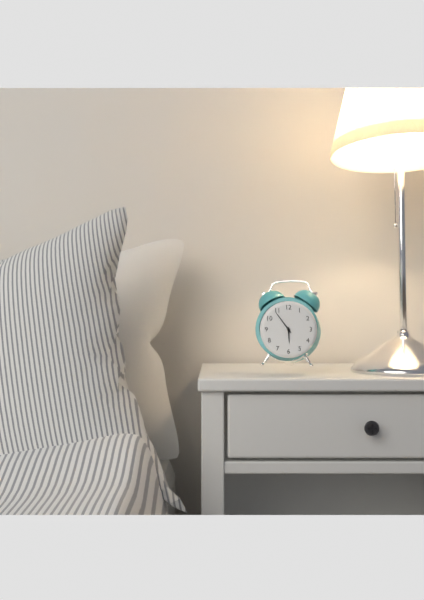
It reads {"hour": 5, "minute": 54}
